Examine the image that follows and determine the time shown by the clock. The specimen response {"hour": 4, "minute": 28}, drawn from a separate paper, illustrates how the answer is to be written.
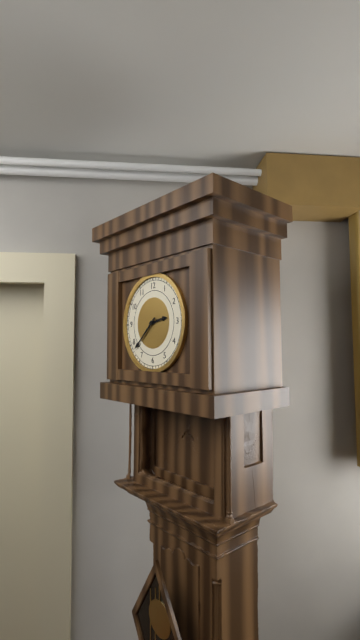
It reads {"hour": 2, "minute": 38}
